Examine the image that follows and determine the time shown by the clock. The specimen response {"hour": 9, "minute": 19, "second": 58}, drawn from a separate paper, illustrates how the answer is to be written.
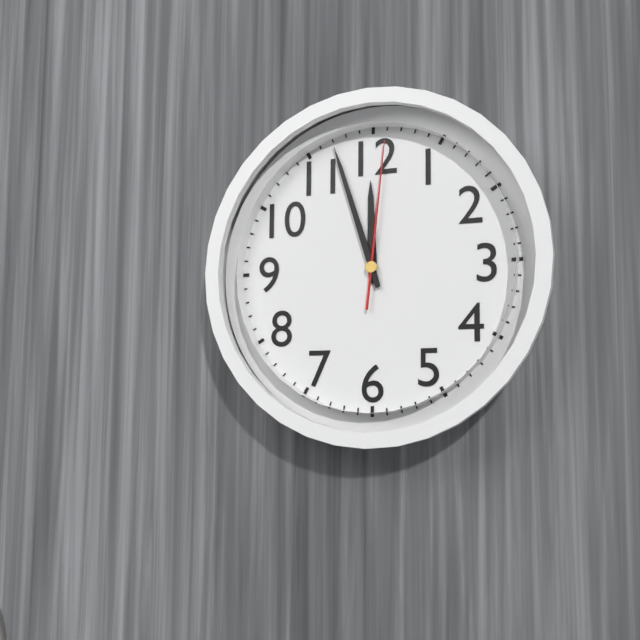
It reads {"hour": 11, "minute": 57, "second": 1}
